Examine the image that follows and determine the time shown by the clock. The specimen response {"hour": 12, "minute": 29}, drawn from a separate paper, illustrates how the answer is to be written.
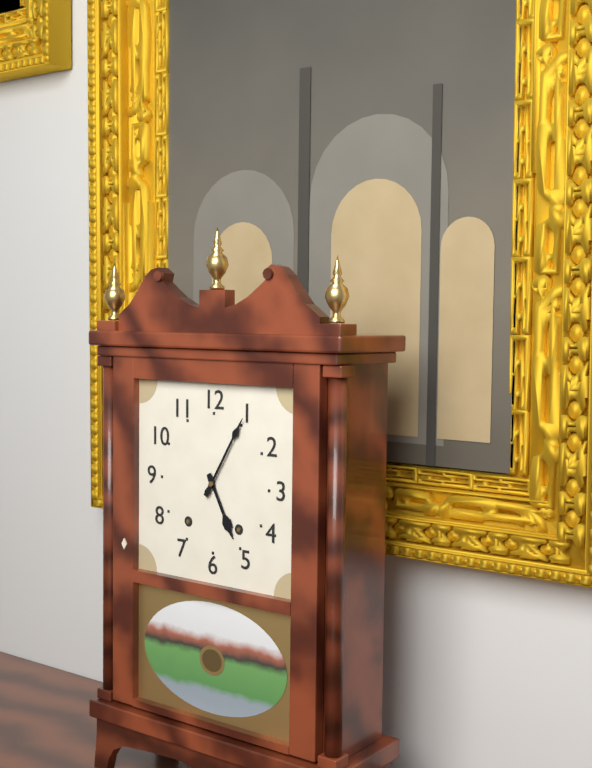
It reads {"hour": 5, "minute": 5}
